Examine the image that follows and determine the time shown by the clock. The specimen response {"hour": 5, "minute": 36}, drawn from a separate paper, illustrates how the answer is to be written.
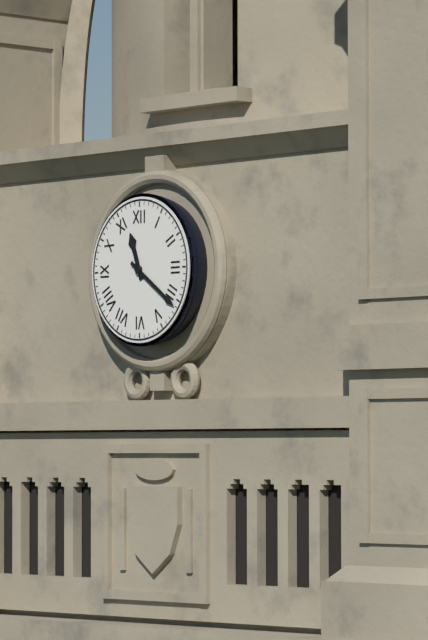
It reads {"hour": 11, "minute": 21}
